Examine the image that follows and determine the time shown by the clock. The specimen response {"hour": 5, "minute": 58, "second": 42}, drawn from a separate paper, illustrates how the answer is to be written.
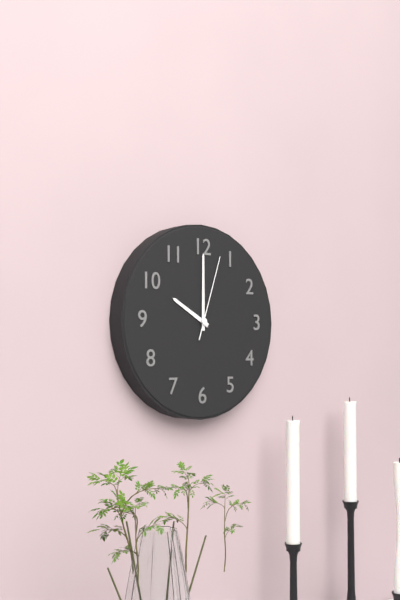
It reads {"hour": 10, "minute": 0, "second": 3}
